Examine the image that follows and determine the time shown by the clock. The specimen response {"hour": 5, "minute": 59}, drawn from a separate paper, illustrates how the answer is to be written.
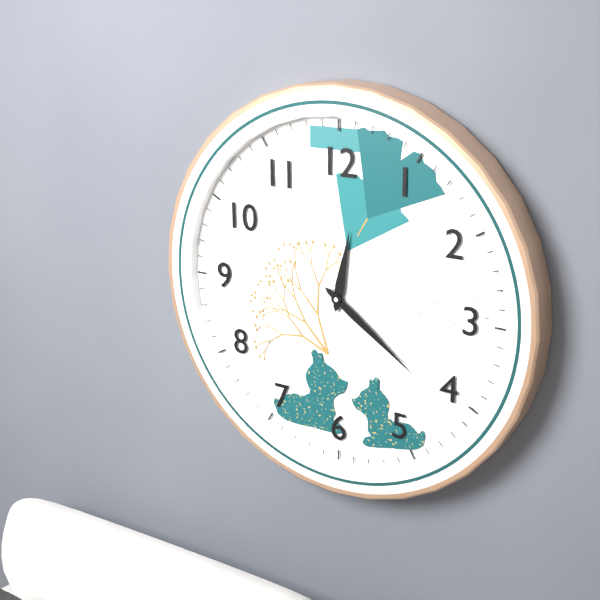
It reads {"hour": 12, "minute": 21}
